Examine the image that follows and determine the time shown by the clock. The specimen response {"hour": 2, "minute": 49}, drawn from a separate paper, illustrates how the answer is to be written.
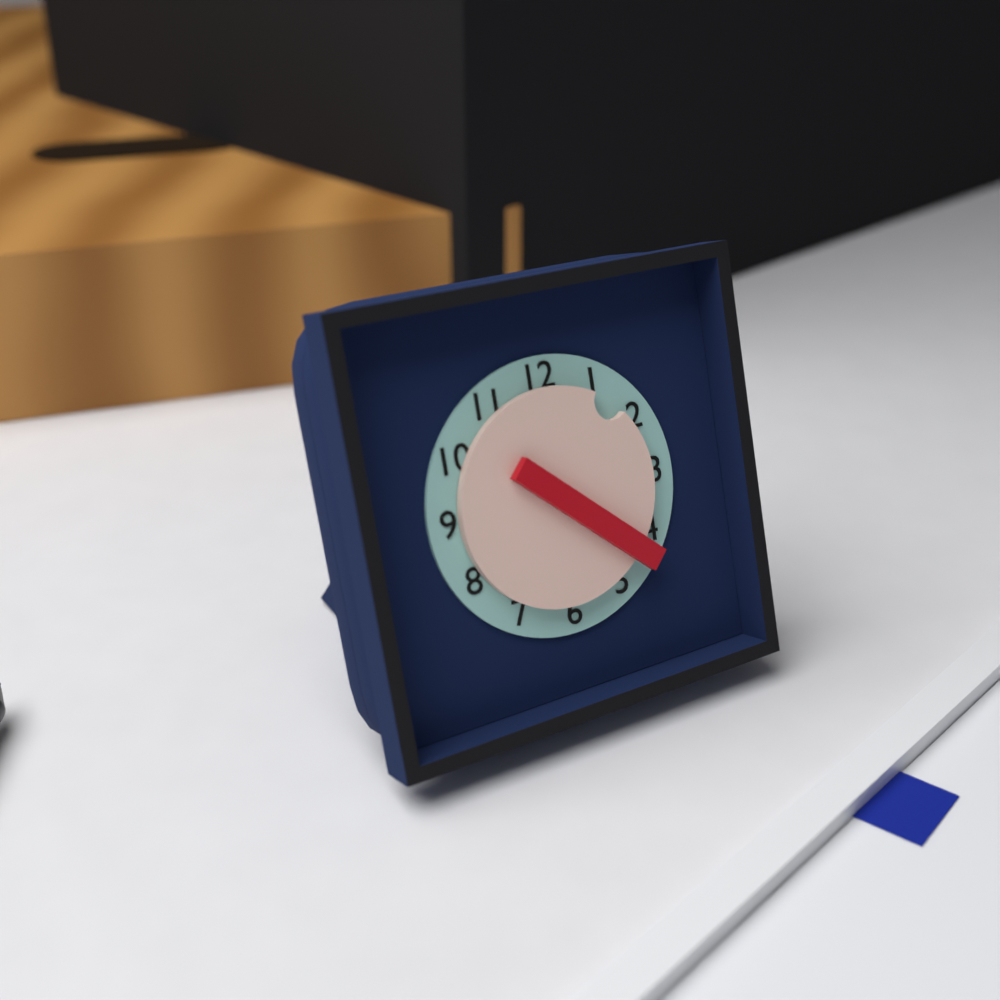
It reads {"hour": 1, "minute": 22}
